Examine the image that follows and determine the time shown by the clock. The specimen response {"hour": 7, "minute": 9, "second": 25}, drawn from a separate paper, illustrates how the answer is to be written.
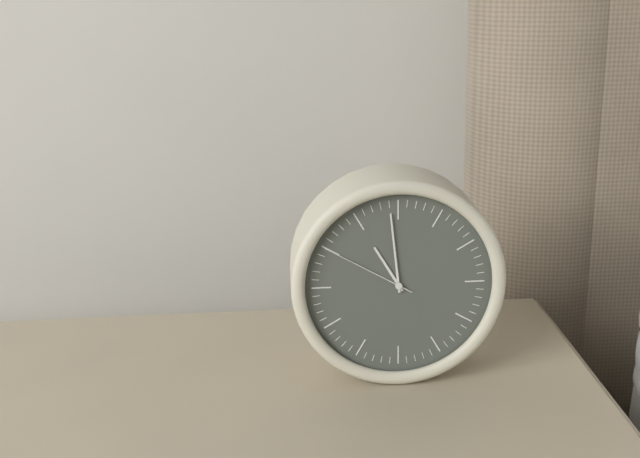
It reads {"hour": 10, "minute": 59, "second": 50}
